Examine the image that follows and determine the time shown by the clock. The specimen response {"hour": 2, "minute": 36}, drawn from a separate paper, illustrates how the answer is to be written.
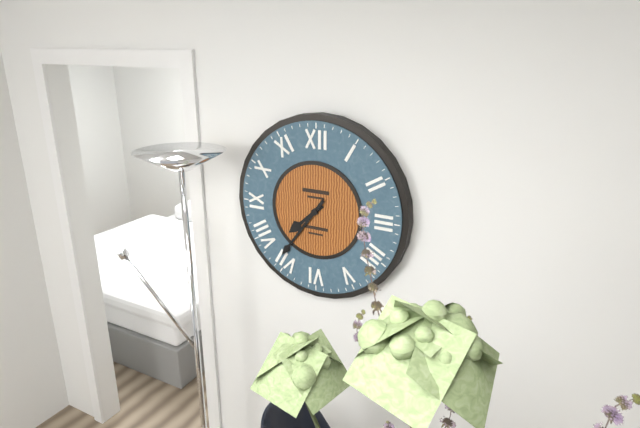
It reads {"hour": 7, "minute": 36}
